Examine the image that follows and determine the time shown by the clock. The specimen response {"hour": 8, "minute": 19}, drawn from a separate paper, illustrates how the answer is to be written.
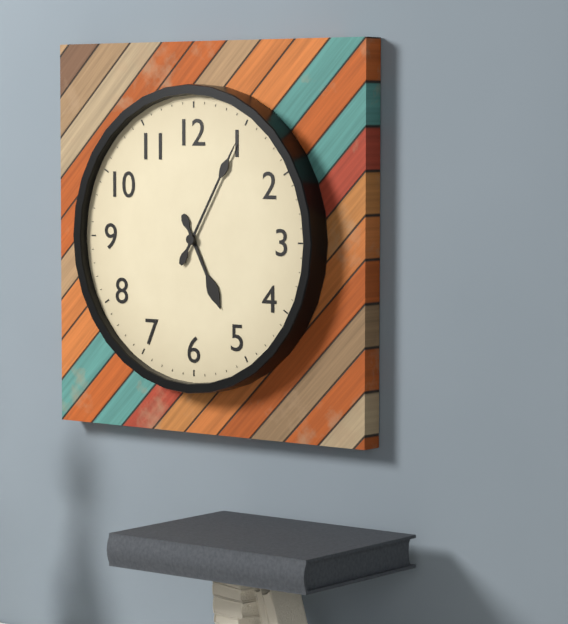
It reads {"hour": 5, "minute": 5}
